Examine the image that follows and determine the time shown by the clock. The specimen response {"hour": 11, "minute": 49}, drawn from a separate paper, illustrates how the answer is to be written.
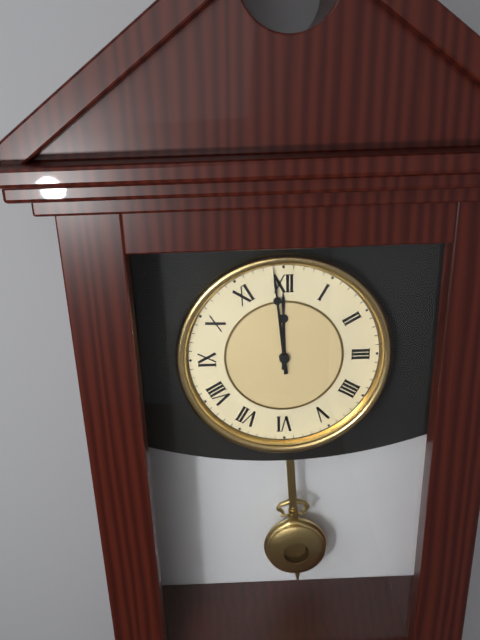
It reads {"hour": 11, "minute": 59}
